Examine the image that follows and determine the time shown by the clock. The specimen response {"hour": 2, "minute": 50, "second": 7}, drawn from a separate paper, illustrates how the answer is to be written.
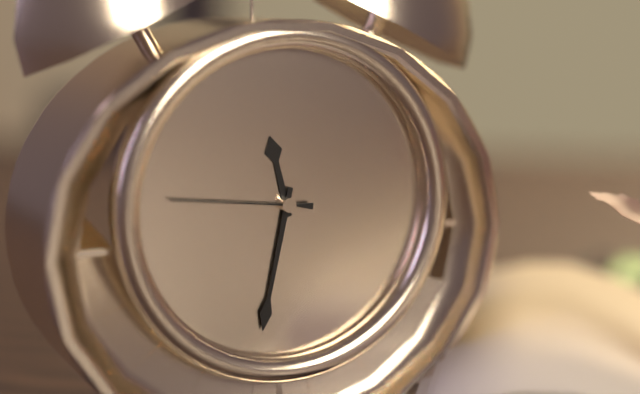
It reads {"hour": 11, "minute": 32, "second": 46}
